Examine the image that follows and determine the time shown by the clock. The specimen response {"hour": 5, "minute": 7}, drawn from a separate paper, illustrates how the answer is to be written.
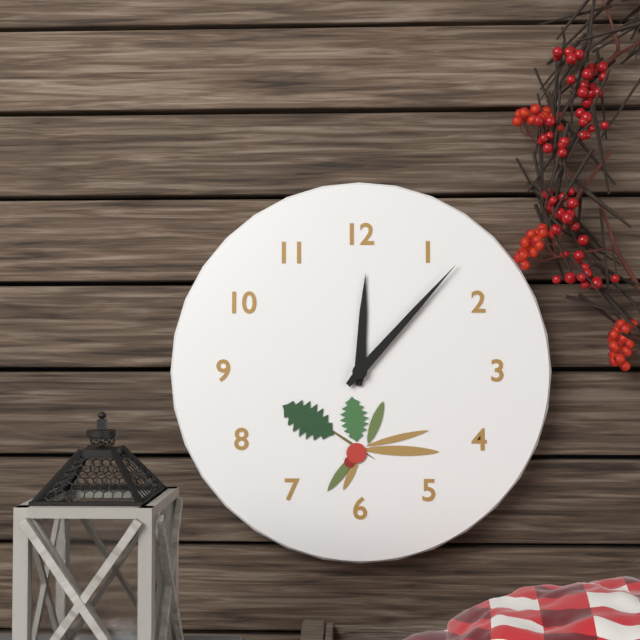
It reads {"hour": 12, "minute": 7}
